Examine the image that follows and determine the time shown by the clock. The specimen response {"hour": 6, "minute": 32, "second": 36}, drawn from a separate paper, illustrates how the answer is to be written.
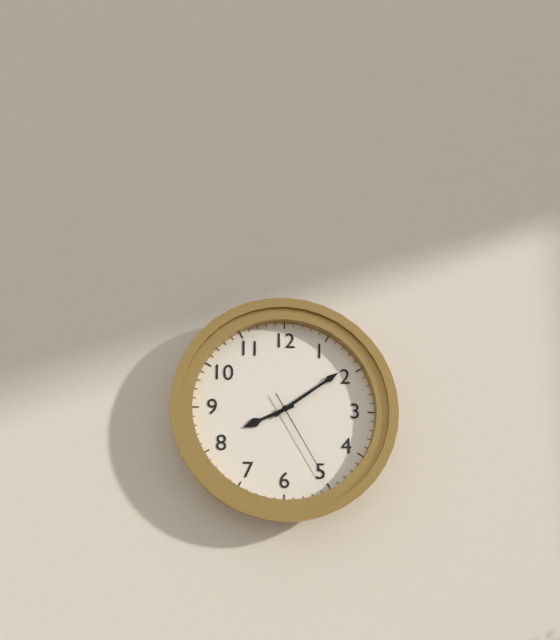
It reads {"hour": 8, "minute": 9, "second": 25}
